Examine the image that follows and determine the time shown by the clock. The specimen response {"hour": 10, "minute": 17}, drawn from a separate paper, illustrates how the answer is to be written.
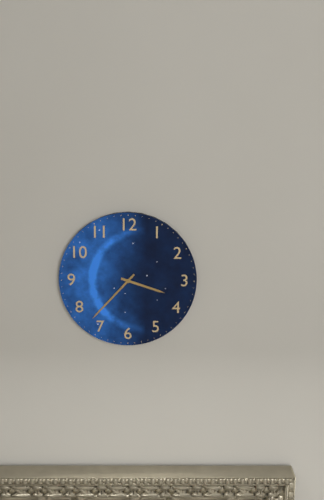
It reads {"hour": 3, "minute": 37}
